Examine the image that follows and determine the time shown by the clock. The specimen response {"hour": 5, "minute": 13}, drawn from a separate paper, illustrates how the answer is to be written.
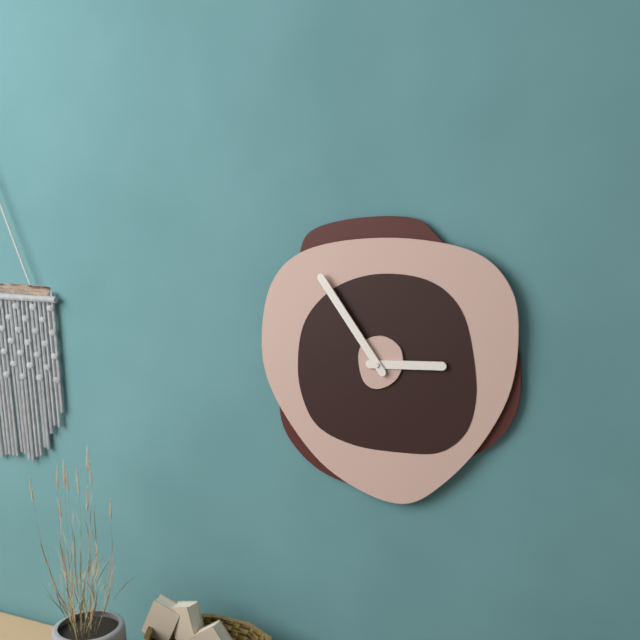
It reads {"hour": 2, "minute": 54}
